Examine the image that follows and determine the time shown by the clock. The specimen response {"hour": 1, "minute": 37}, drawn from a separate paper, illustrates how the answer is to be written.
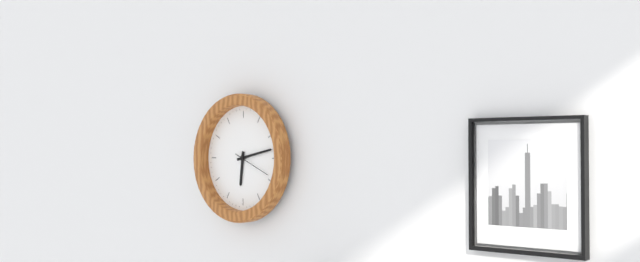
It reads {"hour": 6, "minute": 13}
